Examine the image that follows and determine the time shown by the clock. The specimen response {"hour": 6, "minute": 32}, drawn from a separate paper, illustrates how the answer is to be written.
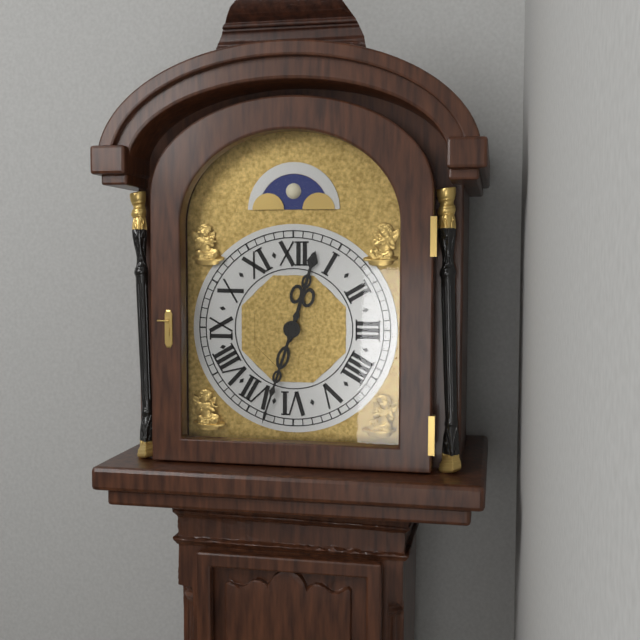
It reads {"hour": 12, "minute": 33}
